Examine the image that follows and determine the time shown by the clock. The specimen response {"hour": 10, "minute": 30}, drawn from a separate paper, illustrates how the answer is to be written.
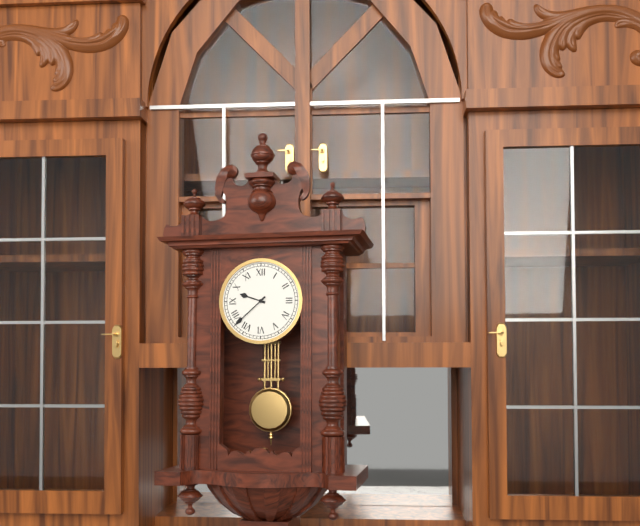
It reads {"hour": 9, "minute": 38}
